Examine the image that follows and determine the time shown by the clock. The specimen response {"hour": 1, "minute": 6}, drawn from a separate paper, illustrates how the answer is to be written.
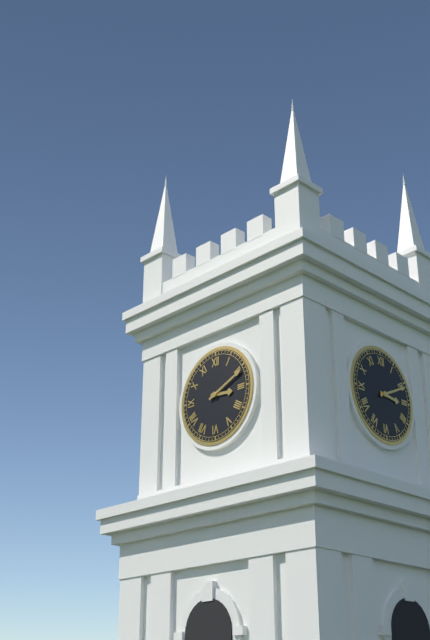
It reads {"hour": 3, "minute": 11}
